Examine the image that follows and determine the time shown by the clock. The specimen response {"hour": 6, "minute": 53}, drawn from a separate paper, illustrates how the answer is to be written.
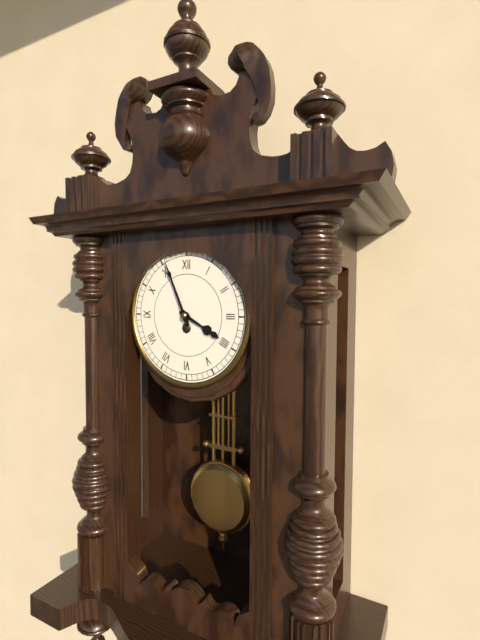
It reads {"hour": 3, "minute": 56}
